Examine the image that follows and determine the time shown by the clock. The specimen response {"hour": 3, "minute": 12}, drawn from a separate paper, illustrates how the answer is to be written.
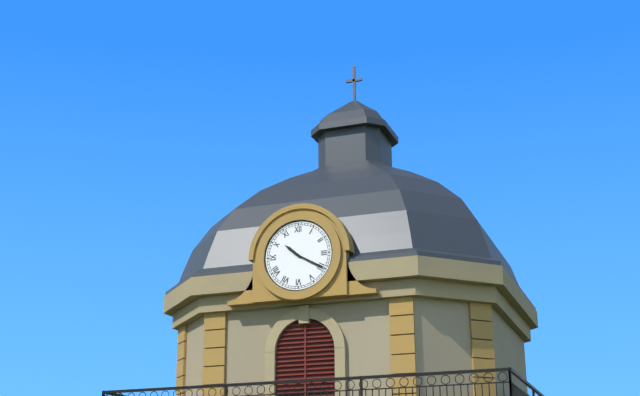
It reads {"hour": 10, "minute": 20}
